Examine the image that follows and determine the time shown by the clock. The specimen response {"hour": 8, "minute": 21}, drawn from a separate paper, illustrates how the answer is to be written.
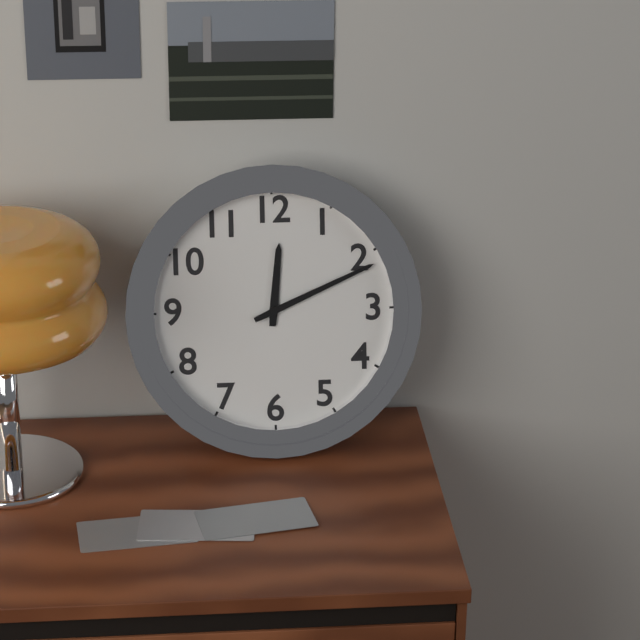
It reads {"hour": 12, "minute": 11}
